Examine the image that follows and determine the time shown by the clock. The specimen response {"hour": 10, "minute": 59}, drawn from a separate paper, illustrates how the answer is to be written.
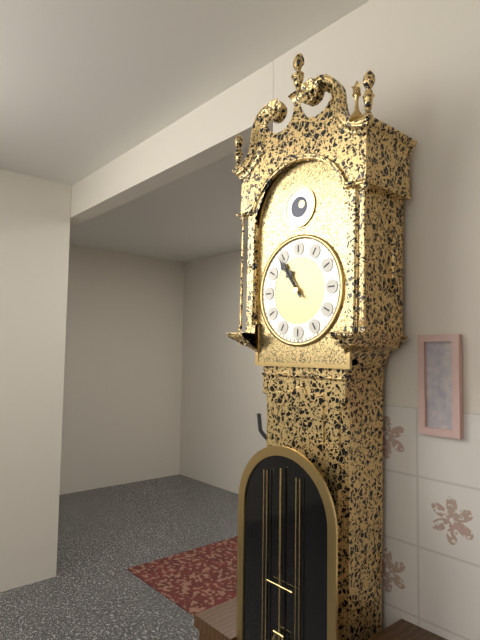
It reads {"hour": 10, "minute": 54}
